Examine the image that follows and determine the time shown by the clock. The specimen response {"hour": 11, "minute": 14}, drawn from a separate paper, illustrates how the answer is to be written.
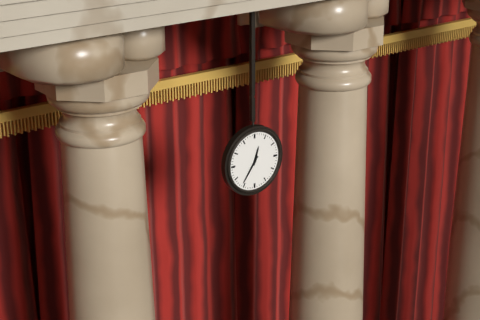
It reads {"hour": 12, "minute": 36}
